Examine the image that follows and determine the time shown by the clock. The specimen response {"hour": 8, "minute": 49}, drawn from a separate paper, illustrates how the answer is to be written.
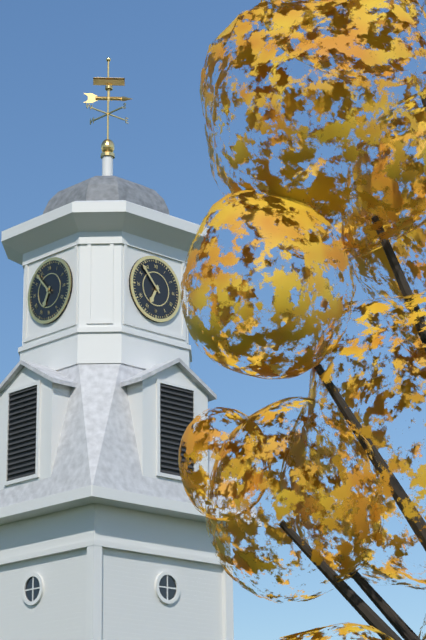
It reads {"hour": 6, "minute": 53}
